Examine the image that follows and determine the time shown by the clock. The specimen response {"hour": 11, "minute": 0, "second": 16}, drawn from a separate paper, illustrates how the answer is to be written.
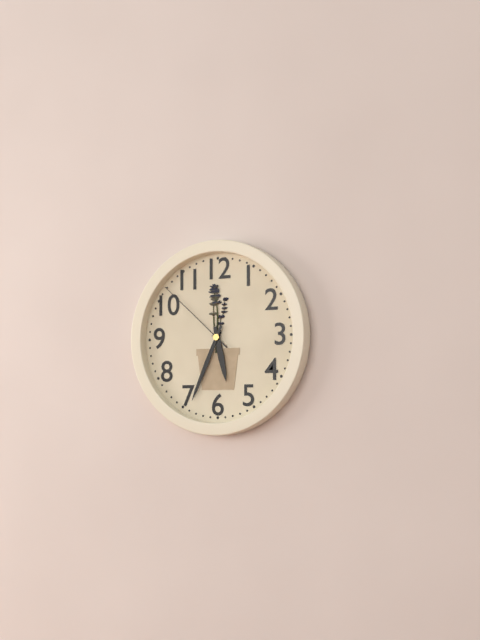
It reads {"hour": 5, "minute": 34, "second": 52}
